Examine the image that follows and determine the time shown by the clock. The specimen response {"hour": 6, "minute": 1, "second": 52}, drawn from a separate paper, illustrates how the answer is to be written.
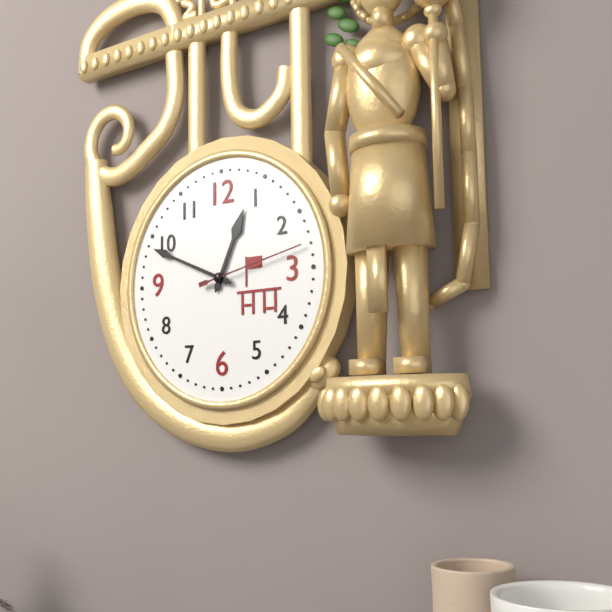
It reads {"hour": 12, "minute": 49, "second": 13}
